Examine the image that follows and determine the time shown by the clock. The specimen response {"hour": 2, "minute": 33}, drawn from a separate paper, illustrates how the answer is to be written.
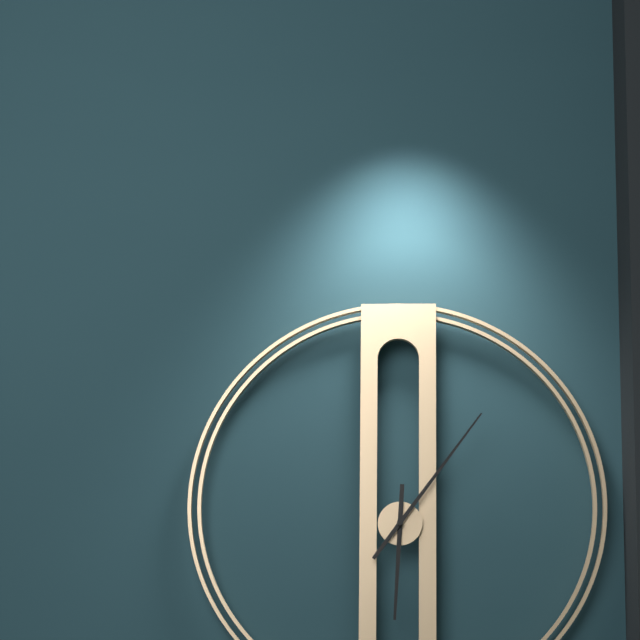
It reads {"hour": 6, "minute": 6}
